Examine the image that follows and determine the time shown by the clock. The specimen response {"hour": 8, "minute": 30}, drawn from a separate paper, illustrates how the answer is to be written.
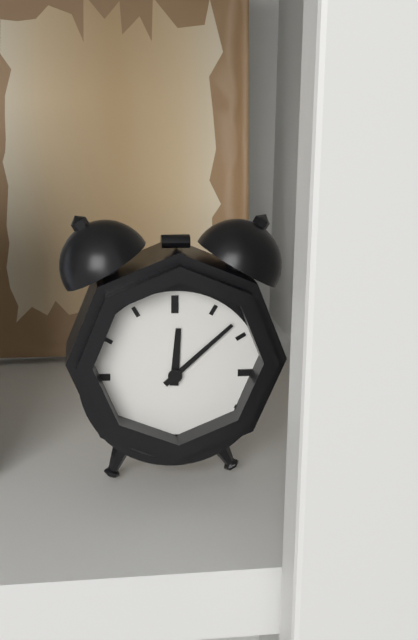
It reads {"hour": 12, "minute": 8}
